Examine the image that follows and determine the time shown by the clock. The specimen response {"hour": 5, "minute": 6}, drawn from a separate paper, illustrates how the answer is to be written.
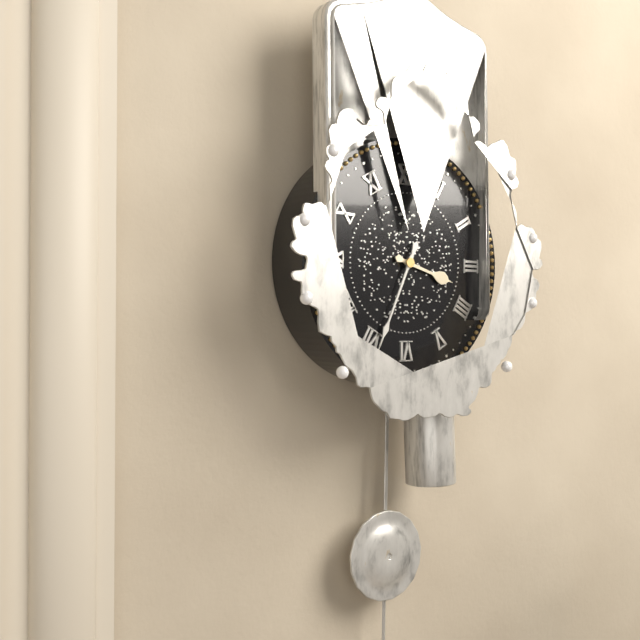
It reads {"hour": 3, "minute": 34}
